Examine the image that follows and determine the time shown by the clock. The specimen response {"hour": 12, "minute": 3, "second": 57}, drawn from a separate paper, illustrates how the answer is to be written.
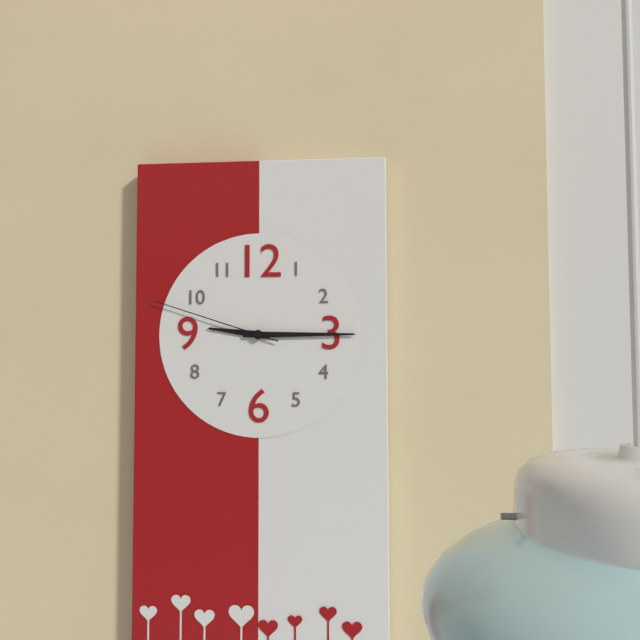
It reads {"hour": 9, "minute": 15, "second": 48}
